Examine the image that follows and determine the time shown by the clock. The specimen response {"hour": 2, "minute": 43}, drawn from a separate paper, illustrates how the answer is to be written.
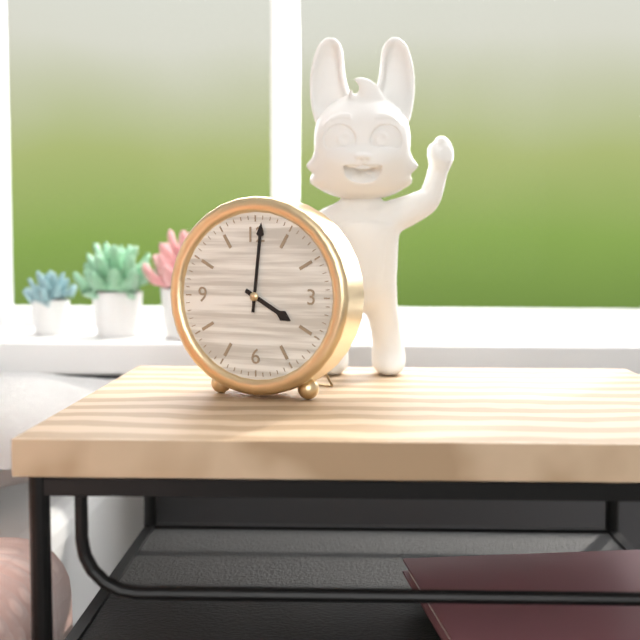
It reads {"hour": 4, "minute": 1}
